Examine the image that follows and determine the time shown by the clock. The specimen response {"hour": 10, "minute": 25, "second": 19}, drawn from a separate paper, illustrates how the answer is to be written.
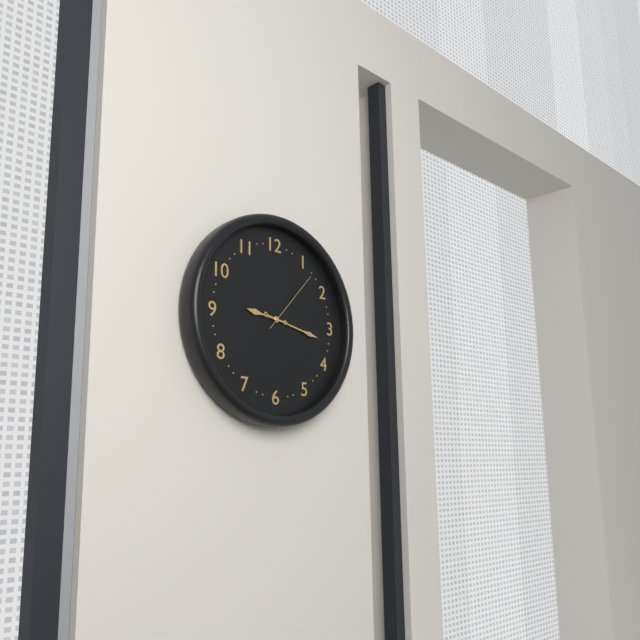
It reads {"hour": 9, "minute": 17, "second": 7}
